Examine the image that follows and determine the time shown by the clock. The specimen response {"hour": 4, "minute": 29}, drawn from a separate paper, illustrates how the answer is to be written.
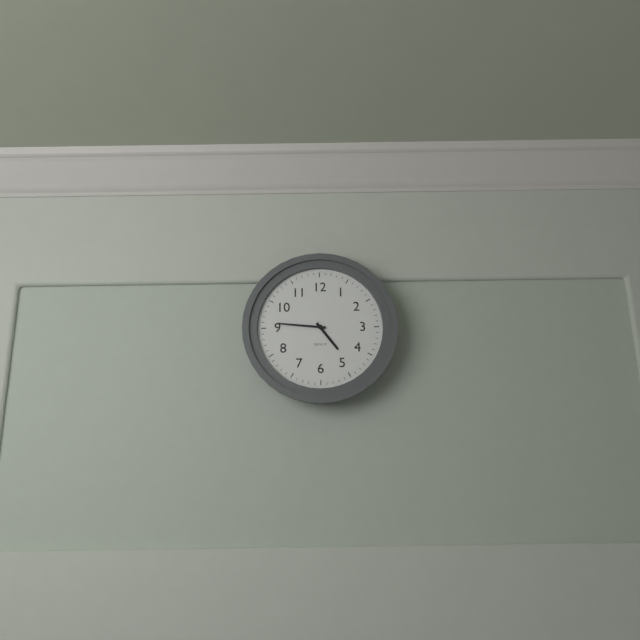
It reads {"hour": 4, "minute": 46}
